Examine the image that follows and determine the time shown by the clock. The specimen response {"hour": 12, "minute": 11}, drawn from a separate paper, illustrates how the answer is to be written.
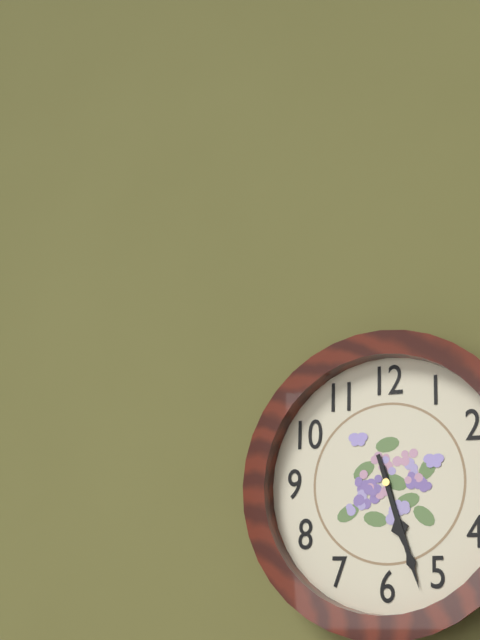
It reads {"hour": 5, "minute": 27}
